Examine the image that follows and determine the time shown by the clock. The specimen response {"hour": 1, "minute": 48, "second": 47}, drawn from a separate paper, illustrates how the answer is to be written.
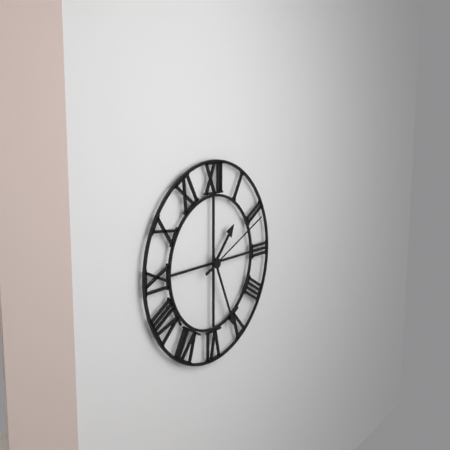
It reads {"hour": 1, "minute": 26, "second": 11}
